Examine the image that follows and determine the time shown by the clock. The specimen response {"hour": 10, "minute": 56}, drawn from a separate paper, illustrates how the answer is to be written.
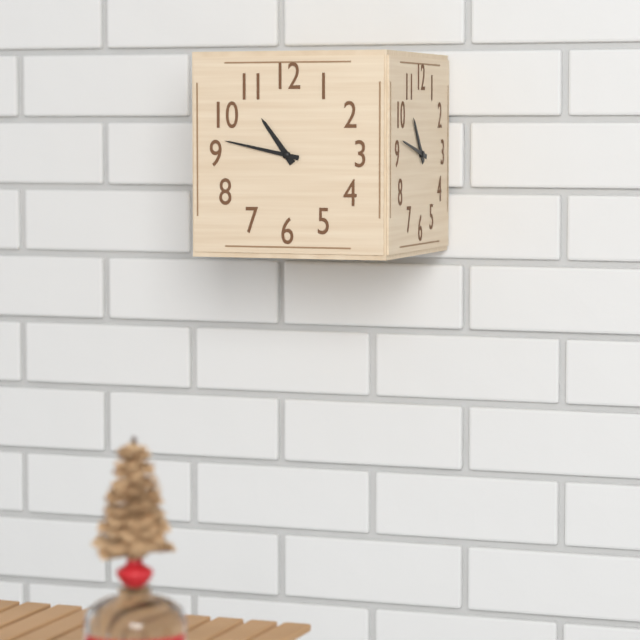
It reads {"hour": 10, "minute": 47}
